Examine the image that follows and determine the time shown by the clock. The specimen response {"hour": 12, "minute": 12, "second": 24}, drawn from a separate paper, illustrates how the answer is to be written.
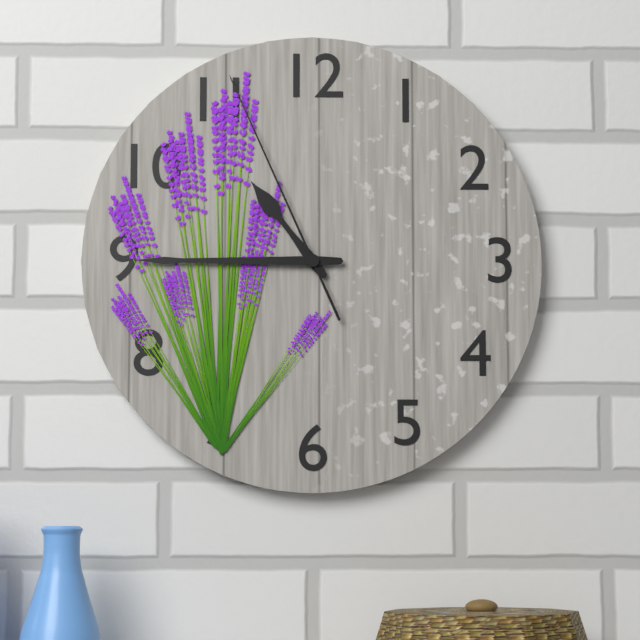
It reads {"hour": 10, "minute": 45, "second": 56}
